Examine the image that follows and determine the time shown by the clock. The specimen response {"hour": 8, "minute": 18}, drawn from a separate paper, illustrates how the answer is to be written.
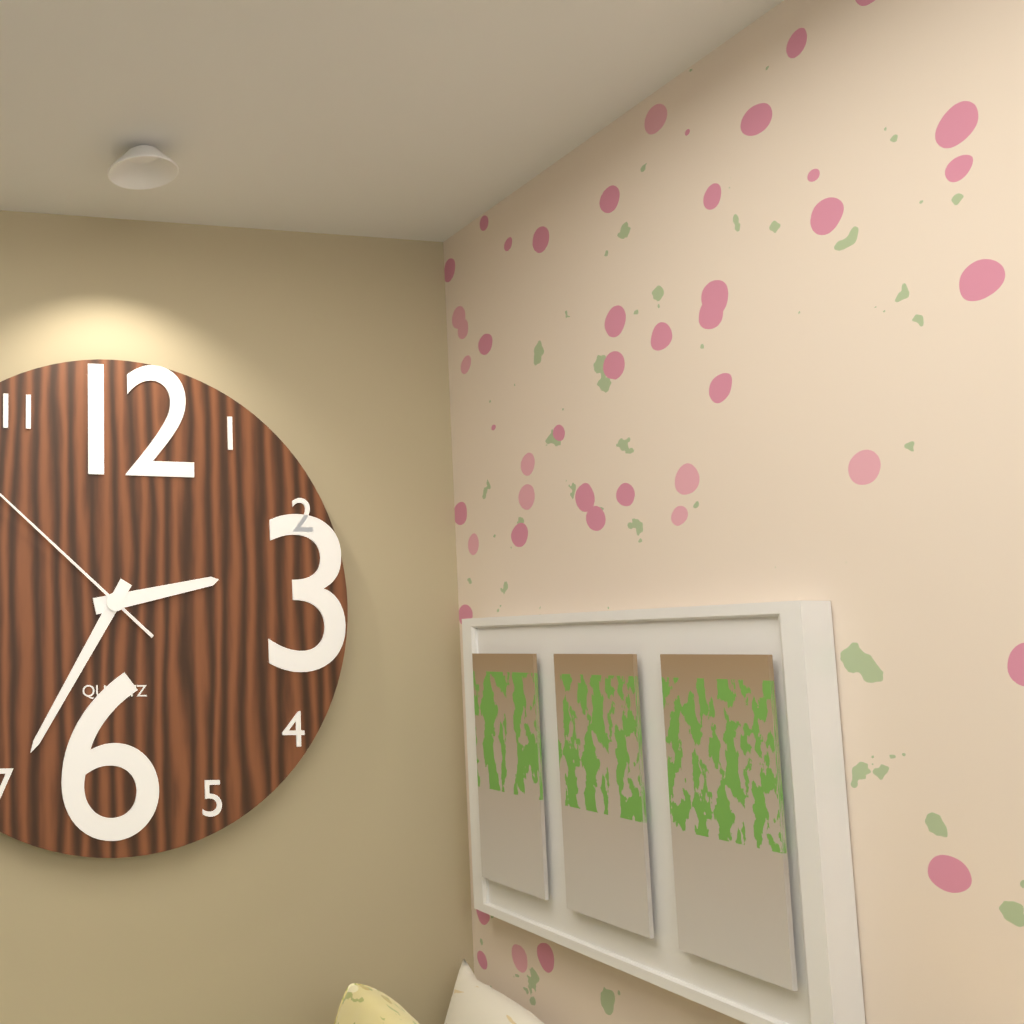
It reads {"hour": 2, "minute": 35}
